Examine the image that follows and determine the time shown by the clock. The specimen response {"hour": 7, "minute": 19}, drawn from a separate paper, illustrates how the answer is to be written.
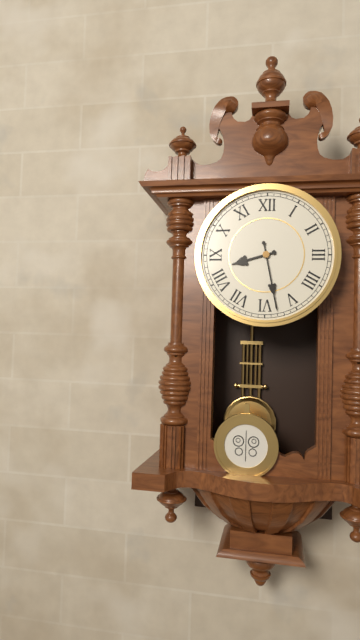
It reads {"hour": 8, "minute": 28}
